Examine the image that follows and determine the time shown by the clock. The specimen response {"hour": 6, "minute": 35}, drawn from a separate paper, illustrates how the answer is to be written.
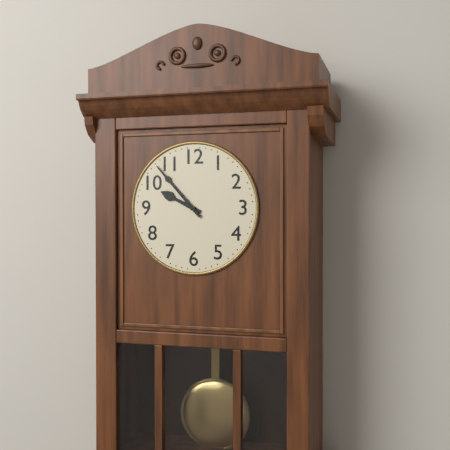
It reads {"hour": 9, "minute": 53}
